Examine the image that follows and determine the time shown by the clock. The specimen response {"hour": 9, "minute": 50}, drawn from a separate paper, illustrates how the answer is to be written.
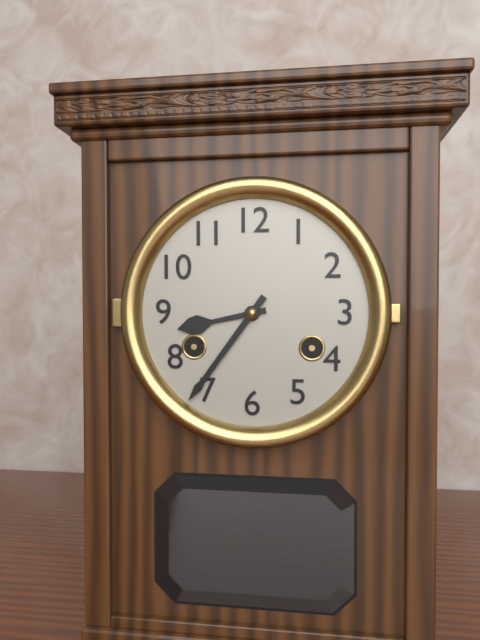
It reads {"hour": 8, "minute": 36}
